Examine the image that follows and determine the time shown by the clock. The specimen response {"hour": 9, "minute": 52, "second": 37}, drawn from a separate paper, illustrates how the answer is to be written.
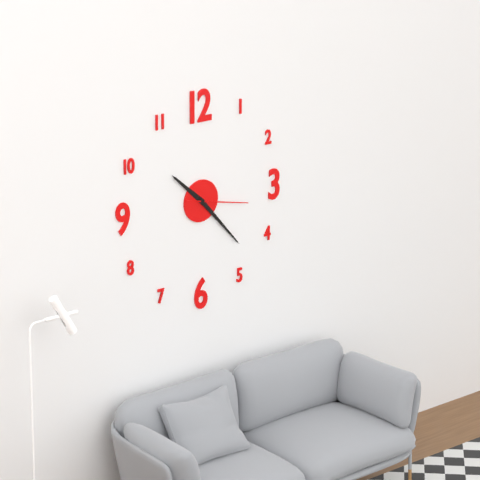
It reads {"hour": 10, "minute": 23, "second": 17}
